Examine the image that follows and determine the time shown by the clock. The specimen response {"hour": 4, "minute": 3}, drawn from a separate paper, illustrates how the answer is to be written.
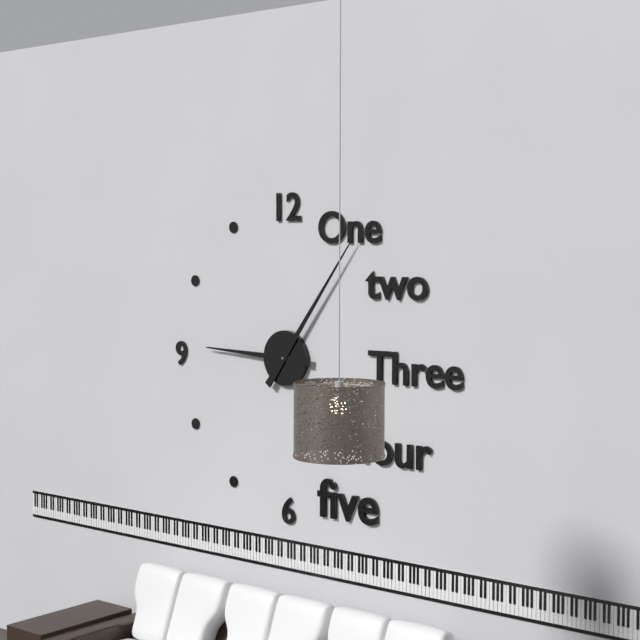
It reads {"hour": 9, "minute": 6}
